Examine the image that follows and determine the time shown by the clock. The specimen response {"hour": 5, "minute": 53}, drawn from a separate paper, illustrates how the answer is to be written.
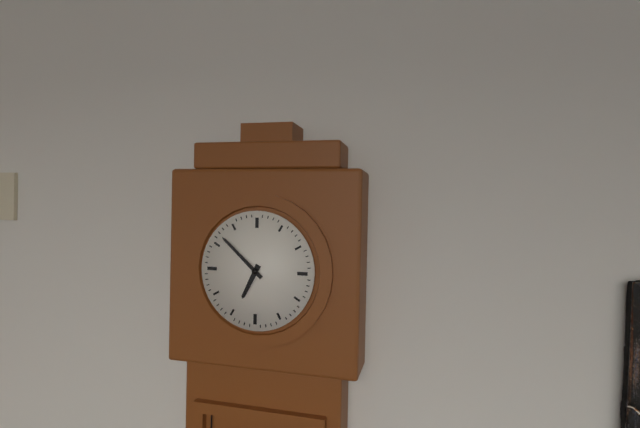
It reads {"hour": 6, "minute": 52}
